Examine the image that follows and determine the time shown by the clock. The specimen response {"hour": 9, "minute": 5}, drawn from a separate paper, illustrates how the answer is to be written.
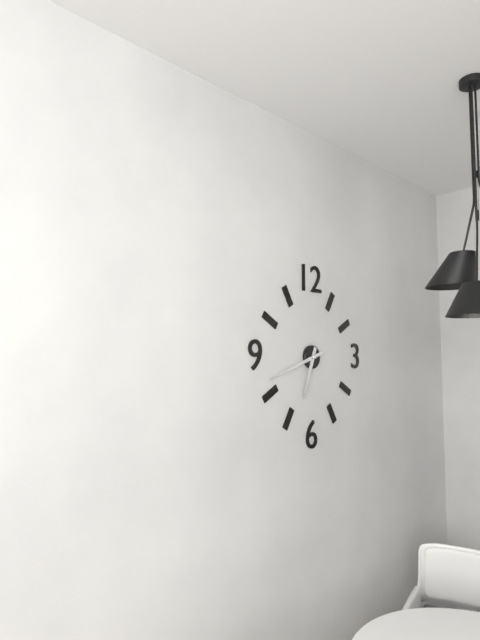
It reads {"hour": 6, "minute": 42}
